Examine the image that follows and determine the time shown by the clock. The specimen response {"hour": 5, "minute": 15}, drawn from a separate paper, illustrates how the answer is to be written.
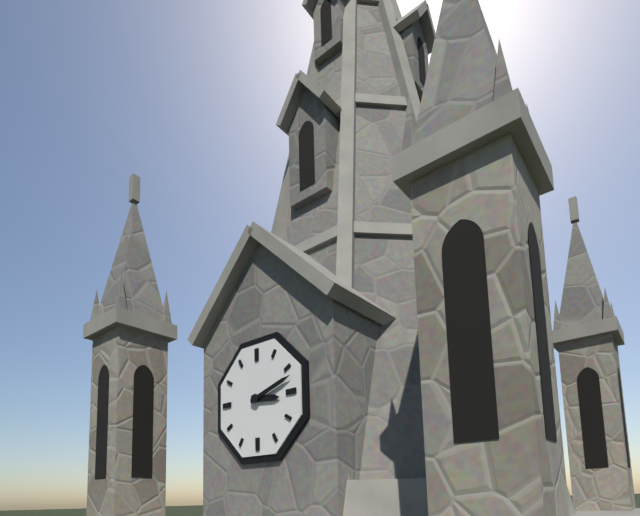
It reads {"hour": 3, "minute": 12}
